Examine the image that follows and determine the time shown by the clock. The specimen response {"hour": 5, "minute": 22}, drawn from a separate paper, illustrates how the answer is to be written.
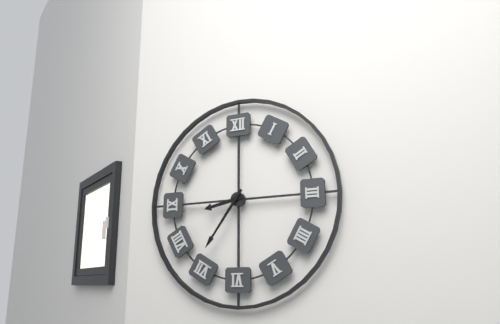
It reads {"hour": 8, "minute": 36}
